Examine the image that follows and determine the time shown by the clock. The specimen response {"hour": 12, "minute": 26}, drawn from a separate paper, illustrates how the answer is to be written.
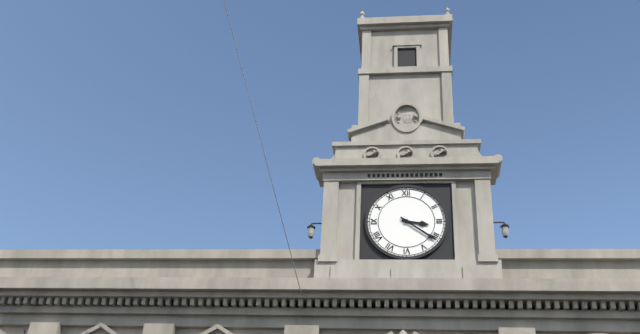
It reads {"hour": 3, "minute": 21}
